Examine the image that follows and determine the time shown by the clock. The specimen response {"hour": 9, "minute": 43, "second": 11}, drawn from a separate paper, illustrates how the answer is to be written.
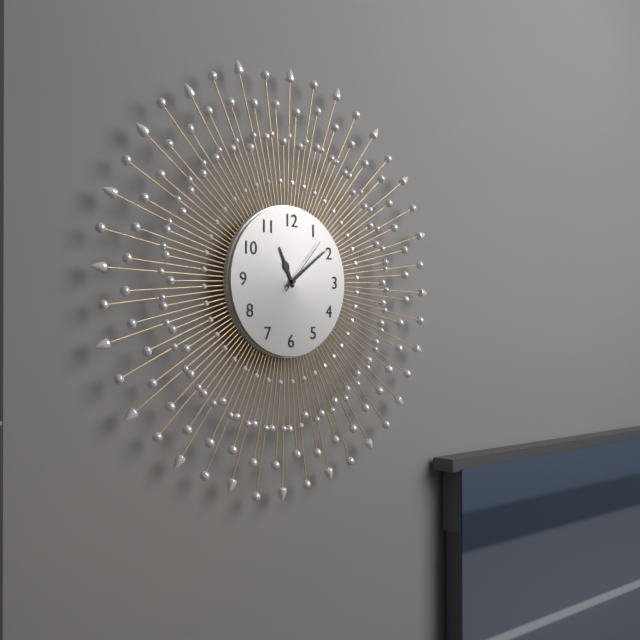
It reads {"hour": 11, "minute": 9, "second": 7}
